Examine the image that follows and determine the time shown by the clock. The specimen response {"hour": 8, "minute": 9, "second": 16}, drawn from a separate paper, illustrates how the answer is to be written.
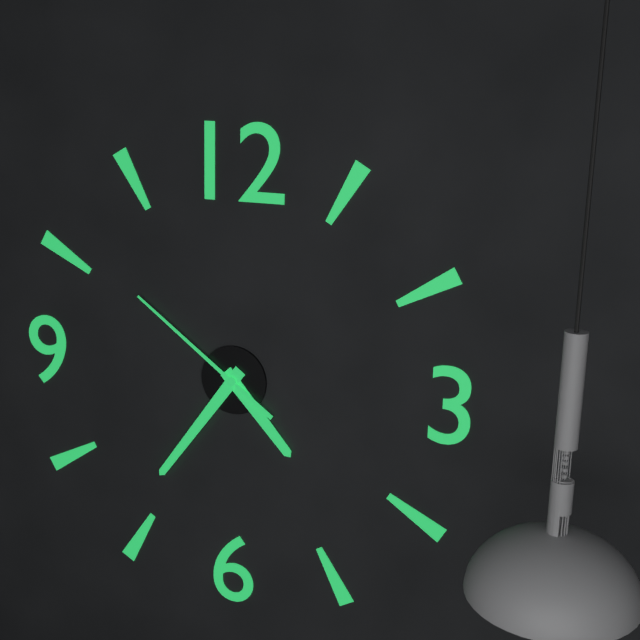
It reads {"hour": 4, "minute": 36, "second": 51}
